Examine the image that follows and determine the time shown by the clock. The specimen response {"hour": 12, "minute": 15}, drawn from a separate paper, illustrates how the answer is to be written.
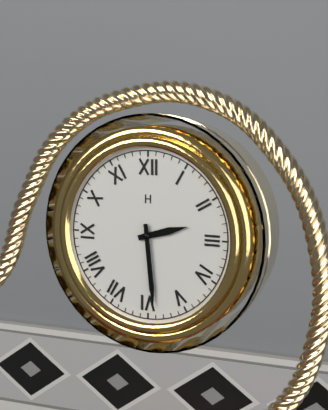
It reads {"hour": 2, "minute": 29}
